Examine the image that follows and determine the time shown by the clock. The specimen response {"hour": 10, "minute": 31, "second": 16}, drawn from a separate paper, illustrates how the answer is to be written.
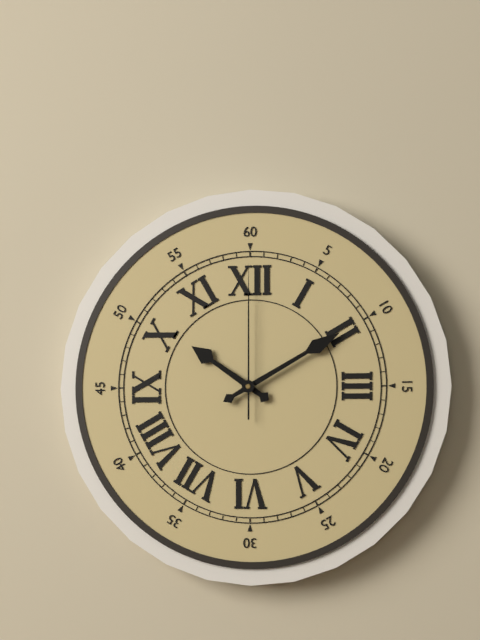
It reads {"hour": 10, "minute": 10, "second": 0}
